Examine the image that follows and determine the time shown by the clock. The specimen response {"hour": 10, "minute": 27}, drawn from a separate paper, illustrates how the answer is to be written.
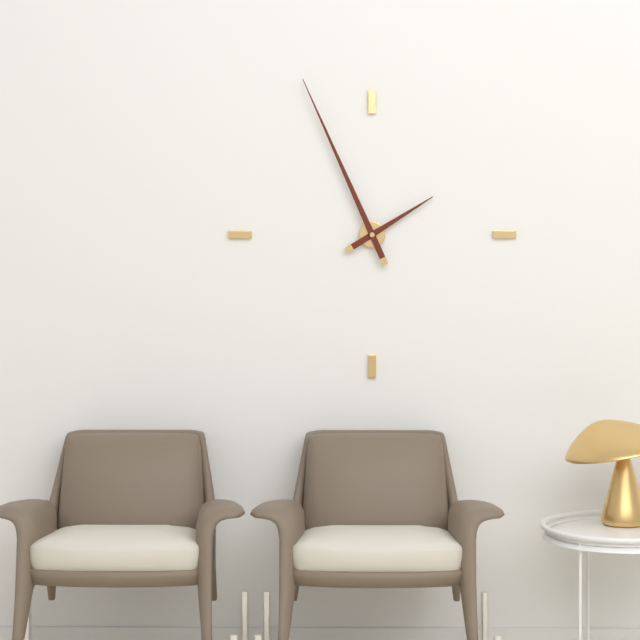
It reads {"hour": 1, "minute": 56}
